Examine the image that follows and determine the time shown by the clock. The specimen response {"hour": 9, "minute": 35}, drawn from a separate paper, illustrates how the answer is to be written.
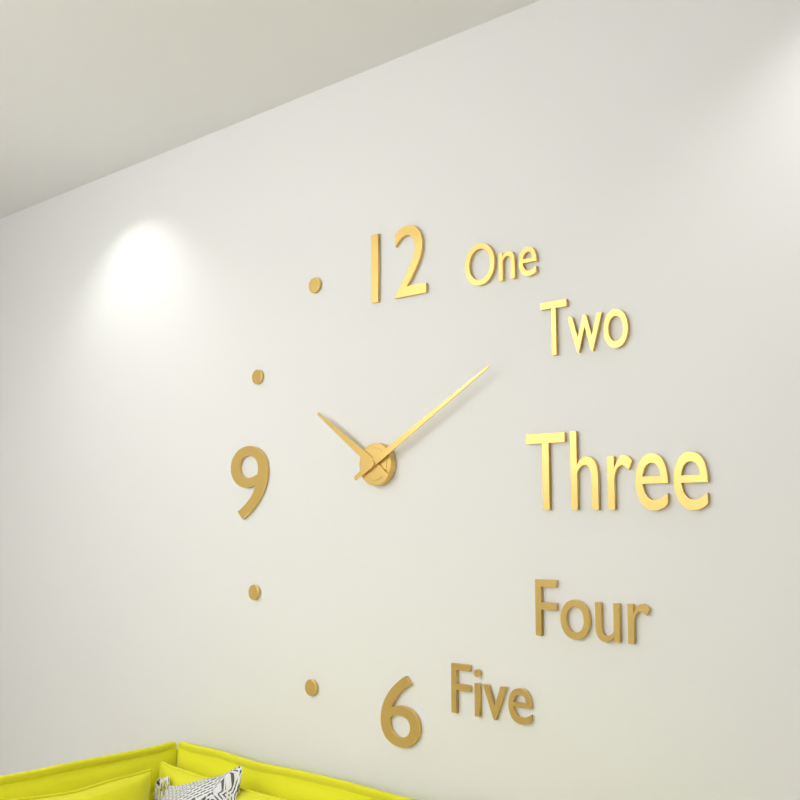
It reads {"hour": 10, "minute": 10}
